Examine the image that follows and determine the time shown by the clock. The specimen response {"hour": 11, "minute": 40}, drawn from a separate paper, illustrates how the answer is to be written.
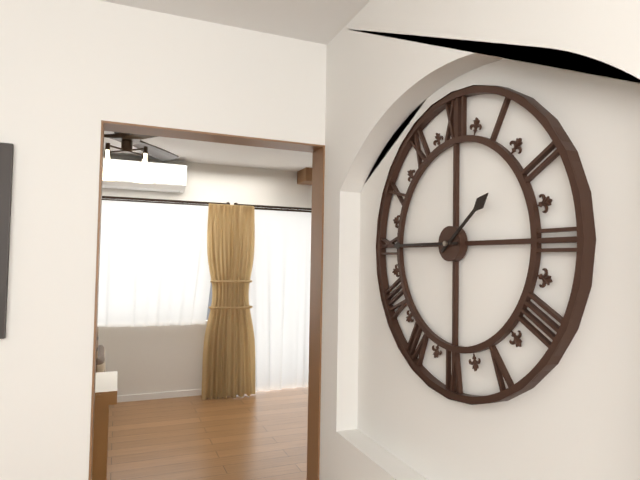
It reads {"hour": 1, "minute": 45}
